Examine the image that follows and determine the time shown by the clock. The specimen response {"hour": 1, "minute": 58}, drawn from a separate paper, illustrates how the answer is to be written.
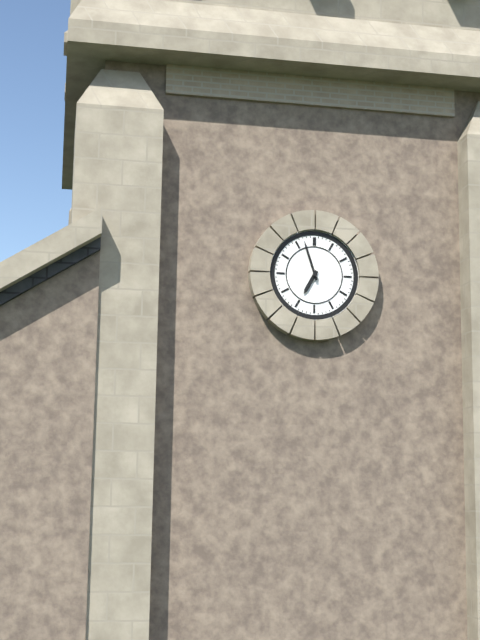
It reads {"hour": 6, "minute": 57}
